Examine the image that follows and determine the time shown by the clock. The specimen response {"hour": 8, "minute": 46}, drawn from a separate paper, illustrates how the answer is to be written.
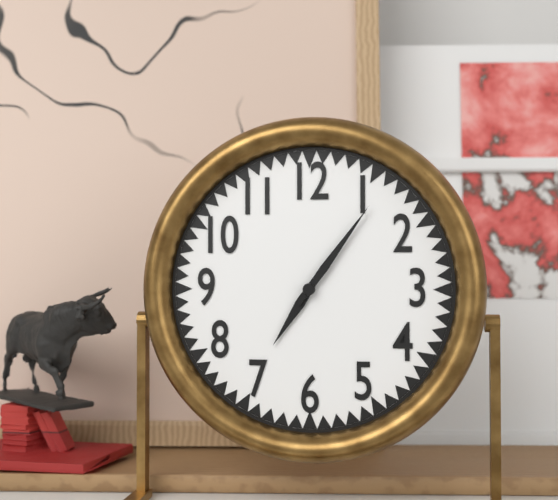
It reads {"hour": 7, "minute": 6}
